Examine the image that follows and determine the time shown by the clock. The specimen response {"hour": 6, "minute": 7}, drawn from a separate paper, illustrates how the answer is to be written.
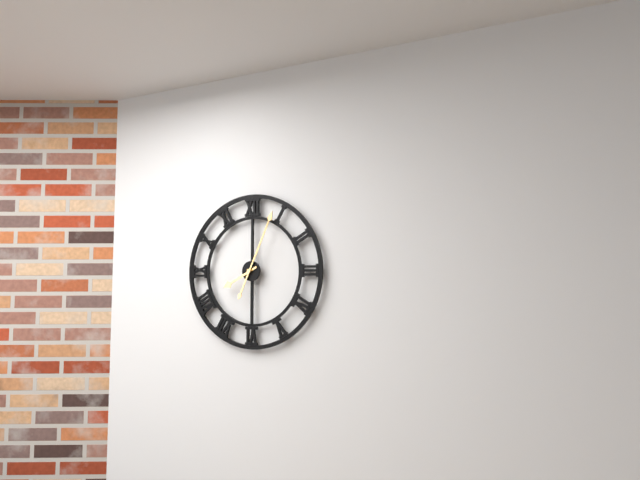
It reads {"hour": 8, "minute": 4}
